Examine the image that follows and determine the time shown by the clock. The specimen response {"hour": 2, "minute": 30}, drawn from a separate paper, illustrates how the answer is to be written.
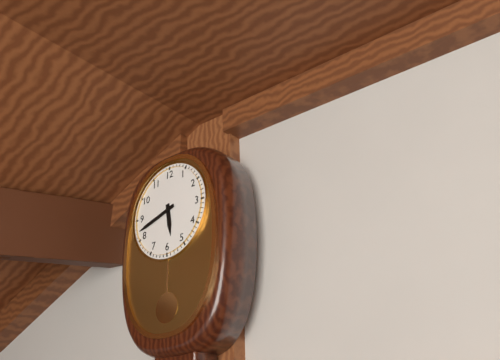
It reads {"hour": 5, "minute": 42}
